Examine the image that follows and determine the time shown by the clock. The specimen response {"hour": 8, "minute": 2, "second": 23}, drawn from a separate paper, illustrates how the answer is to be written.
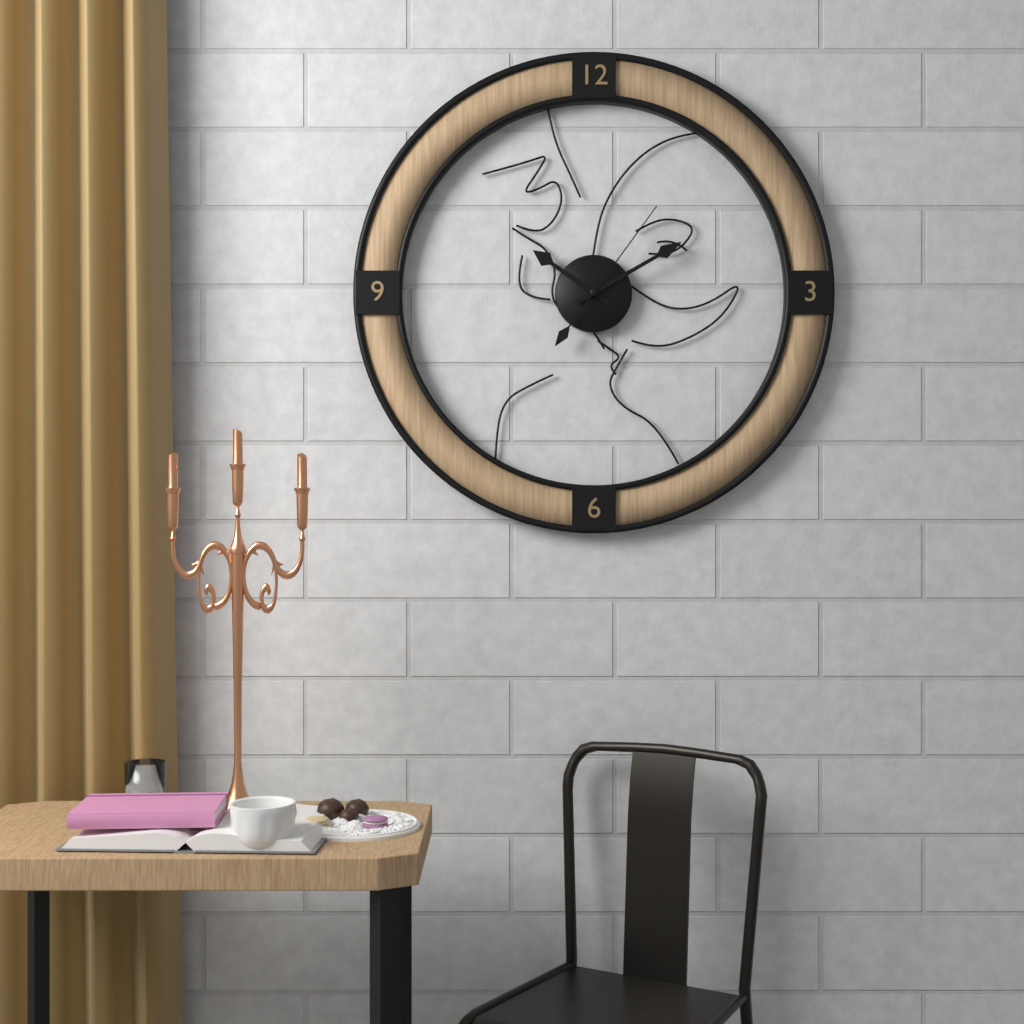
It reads {"hour": 10, "minute": 10, "second": 6}
